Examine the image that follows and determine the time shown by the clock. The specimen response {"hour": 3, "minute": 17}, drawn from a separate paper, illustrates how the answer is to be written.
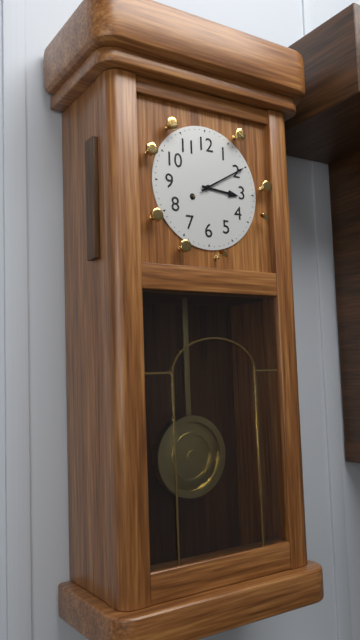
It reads {"hour": 3, "minute": 10}
